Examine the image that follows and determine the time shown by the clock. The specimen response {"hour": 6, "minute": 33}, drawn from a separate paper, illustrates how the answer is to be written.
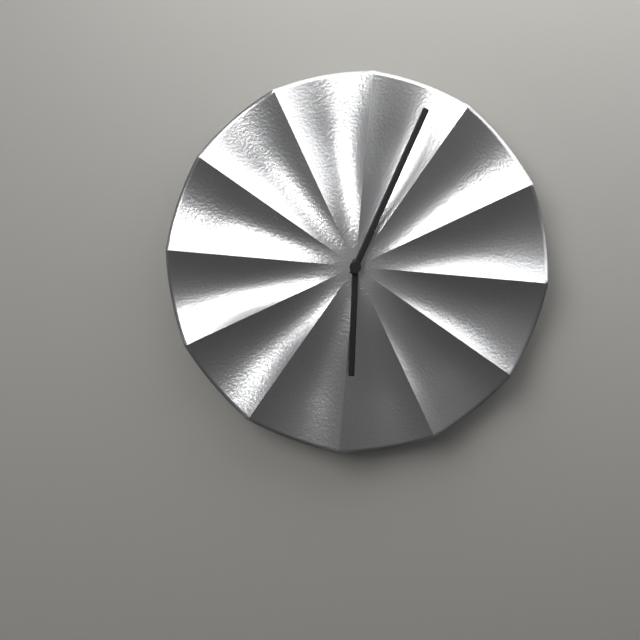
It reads {"hour": 6, "minute": 4}
